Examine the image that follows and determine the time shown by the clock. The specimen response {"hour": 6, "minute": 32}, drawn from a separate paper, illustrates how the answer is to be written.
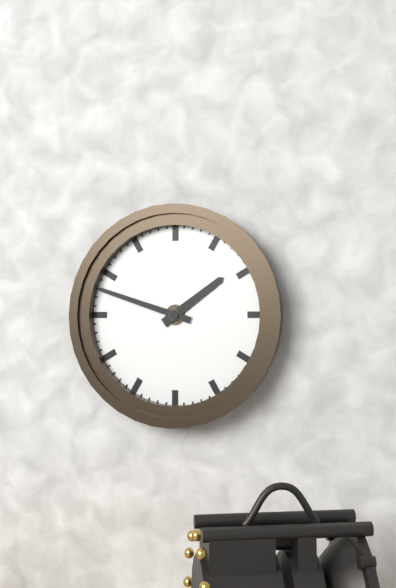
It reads {"hour": 1, "minute": 48}
